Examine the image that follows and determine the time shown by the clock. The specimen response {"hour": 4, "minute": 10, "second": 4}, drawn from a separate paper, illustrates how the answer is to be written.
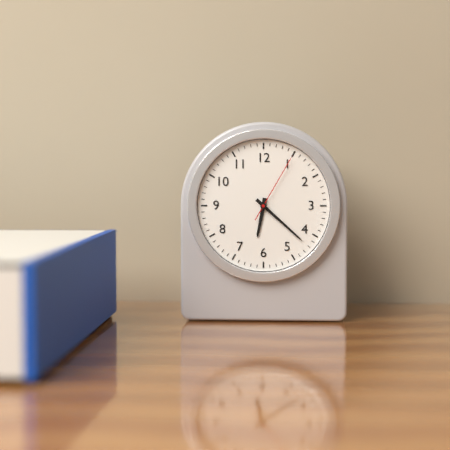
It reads {"hour": 6, "minute": 22, "second": 5}
